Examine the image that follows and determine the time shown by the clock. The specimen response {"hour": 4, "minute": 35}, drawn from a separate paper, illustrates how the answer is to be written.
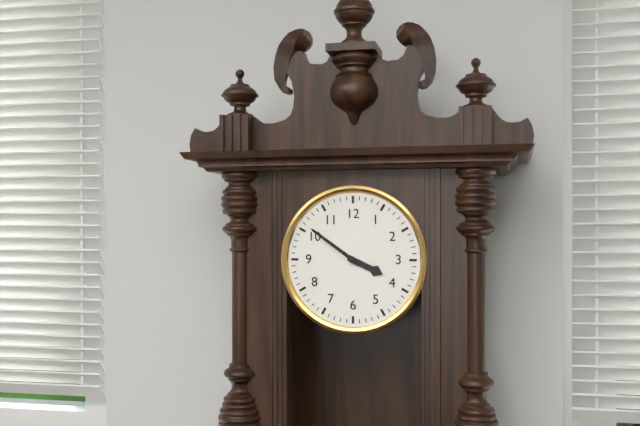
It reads {"hour": 3, "minute": 51}
